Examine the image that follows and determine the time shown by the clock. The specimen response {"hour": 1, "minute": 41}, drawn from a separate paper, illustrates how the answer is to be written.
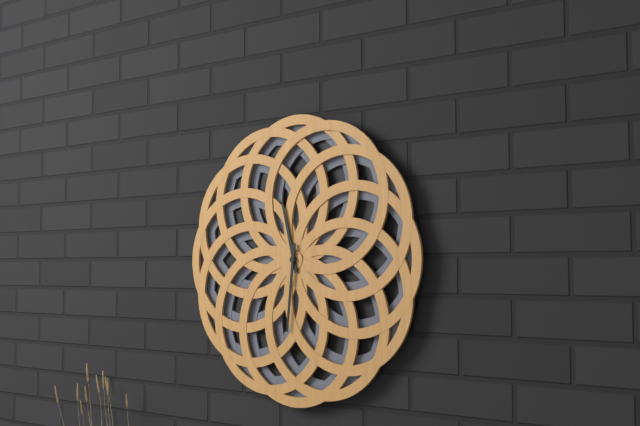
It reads {"hour": 11, "minute": 31}
